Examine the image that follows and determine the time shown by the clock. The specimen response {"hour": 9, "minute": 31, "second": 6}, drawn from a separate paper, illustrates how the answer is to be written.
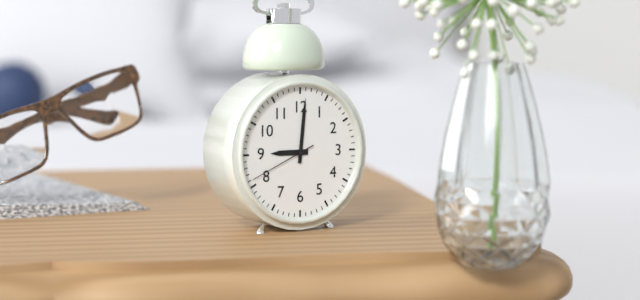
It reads {"hour": 9, "minute": 1, "second": 41}
